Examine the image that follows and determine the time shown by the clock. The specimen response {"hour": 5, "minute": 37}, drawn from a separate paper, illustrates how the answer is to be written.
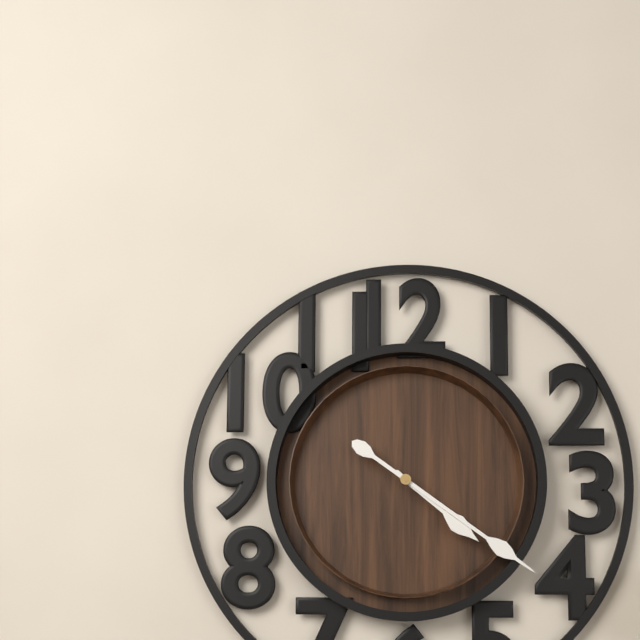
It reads {"hour": 4, "minute": 21}
